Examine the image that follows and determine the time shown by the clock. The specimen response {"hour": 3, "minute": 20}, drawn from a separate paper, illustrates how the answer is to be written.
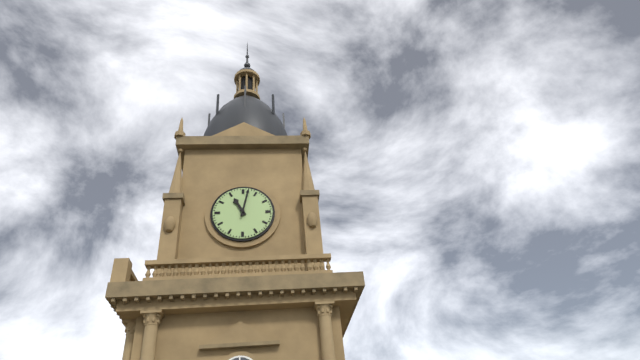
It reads {"hour": 11, "minute": 2}
